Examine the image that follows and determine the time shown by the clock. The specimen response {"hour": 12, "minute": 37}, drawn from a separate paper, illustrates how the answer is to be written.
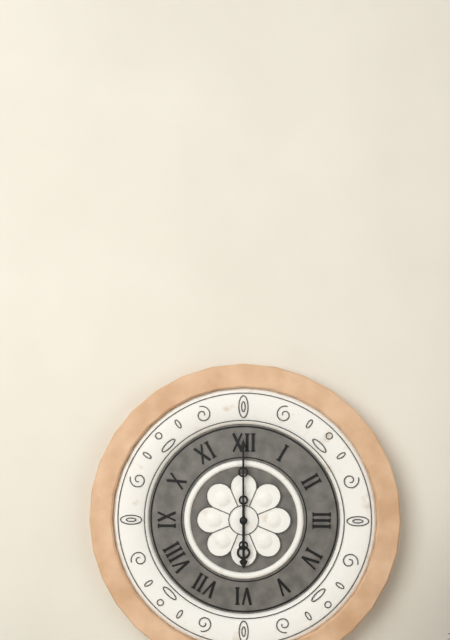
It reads {"hour": 6, "minute": 0}
